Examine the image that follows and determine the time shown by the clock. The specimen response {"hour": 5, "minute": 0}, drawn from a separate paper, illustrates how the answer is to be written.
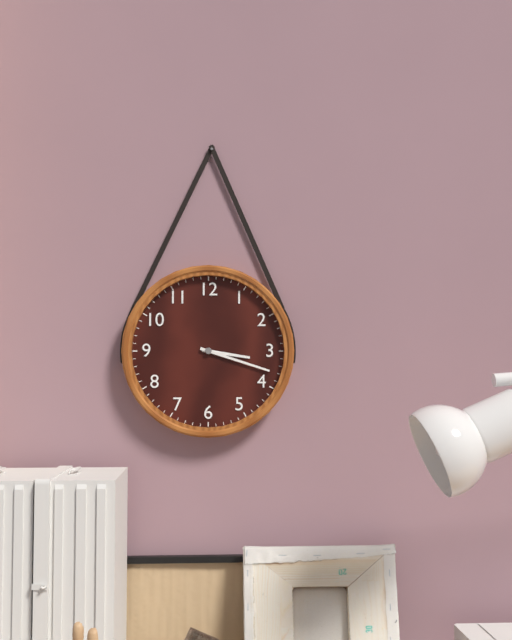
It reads {"hour": 3, "minute": 18}
